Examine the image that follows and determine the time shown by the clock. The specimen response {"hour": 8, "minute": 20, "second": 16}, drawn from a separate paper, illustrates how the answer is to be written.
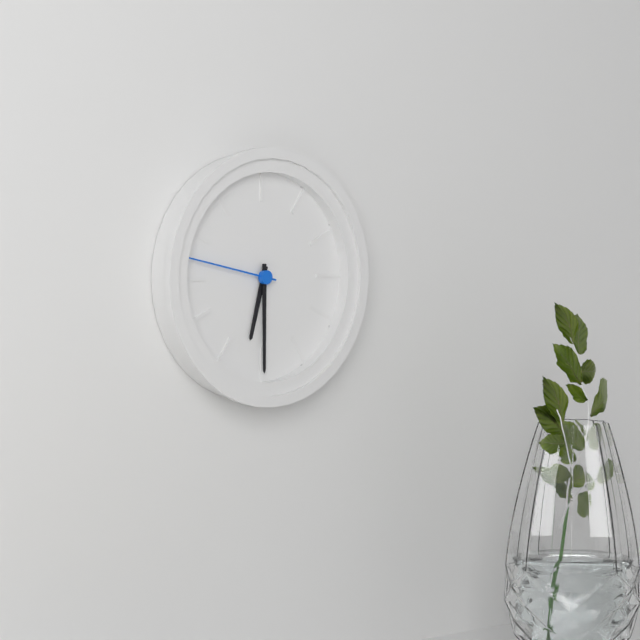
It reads {"hour": 6, "minute": 30, "second": 47}
